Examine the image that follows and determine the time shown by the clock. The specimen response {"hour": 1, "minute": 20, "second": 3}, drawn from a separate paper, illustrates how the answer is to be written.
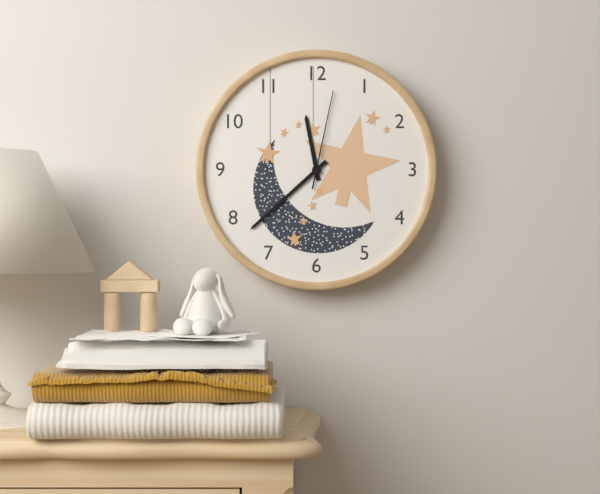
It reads {"hour": 11, "minute": 38, "second": 2}
